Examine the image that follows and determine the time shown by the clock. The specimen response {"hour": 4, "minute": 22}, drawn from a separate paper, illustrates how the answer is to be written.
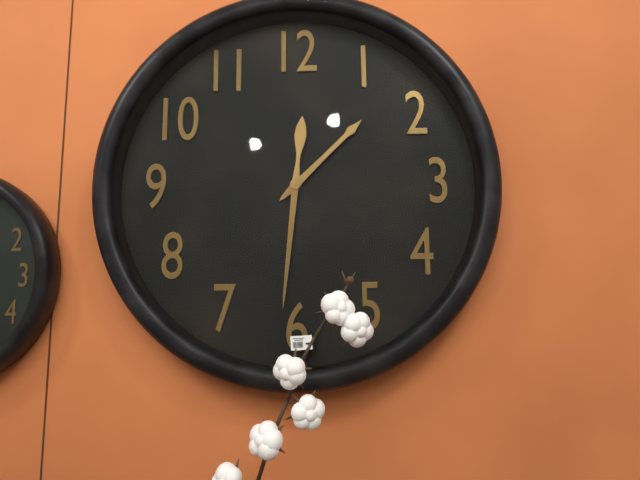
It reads {"hour": 1, "minute": 31}
